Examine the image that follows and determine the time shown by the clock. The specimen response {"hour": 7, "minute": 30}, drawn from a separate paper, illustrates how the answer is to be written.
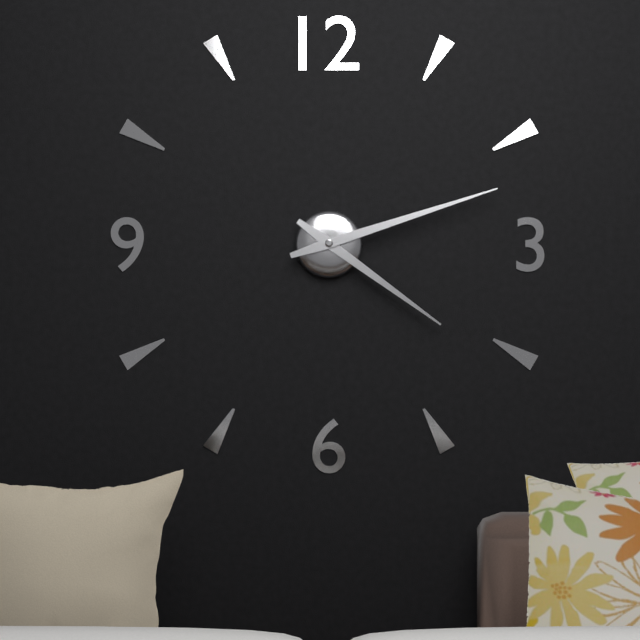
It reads {"hour": 4, "minute": 12}
